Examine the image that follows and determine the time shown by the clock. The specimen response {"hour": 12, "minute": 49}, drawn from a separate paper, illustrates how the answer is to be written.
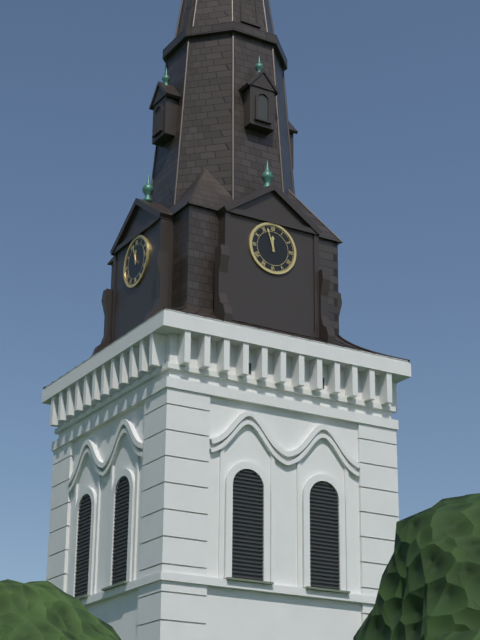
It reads {"hour": 11, "minute": 57}
